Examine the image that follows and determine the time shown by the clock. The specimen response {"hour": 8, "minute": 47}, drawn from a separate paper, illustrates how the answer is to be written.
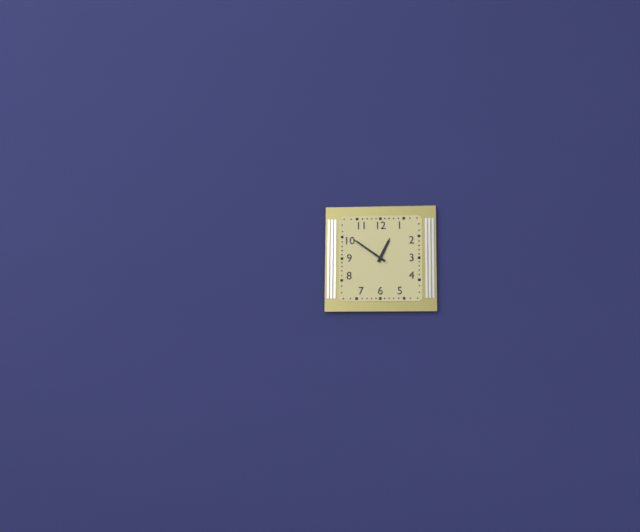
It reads {"hour": 12, "minute": 51}
